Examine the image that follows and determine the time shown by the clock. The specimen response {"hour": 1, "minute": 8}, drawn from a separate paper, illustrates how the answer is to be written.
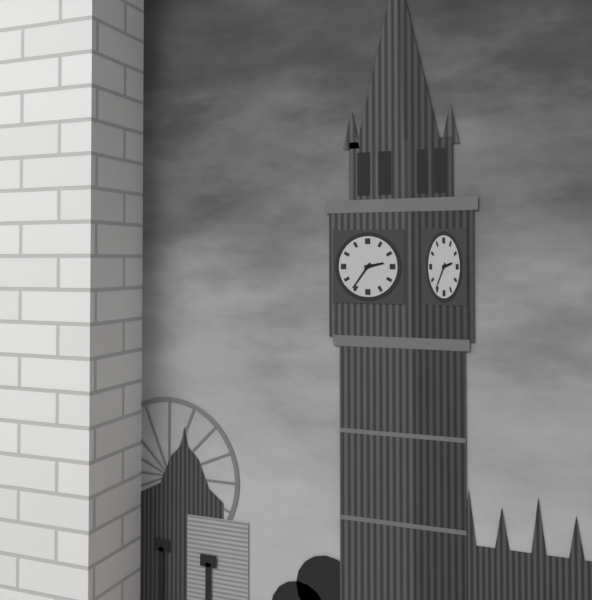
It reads {"hour": 2, "minute": 36}
